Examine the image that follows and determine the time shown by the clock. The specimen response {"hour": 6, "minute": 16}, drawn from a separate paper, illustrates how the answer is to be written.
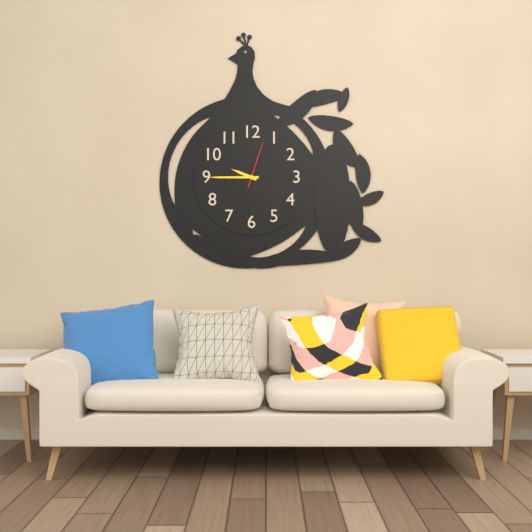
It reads {"hour": 9, "minute": 45}
